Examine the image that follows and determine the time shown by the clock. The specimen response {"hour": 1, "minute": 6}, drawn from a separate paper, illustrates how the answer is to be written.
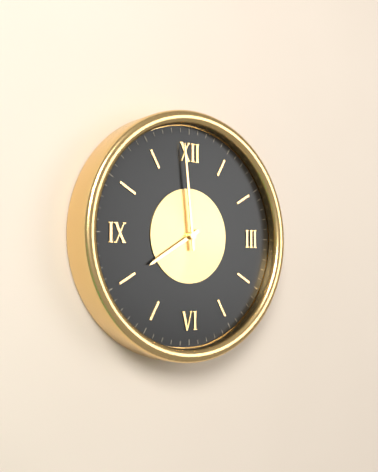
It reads {"hour": 7, "minute": 59}
